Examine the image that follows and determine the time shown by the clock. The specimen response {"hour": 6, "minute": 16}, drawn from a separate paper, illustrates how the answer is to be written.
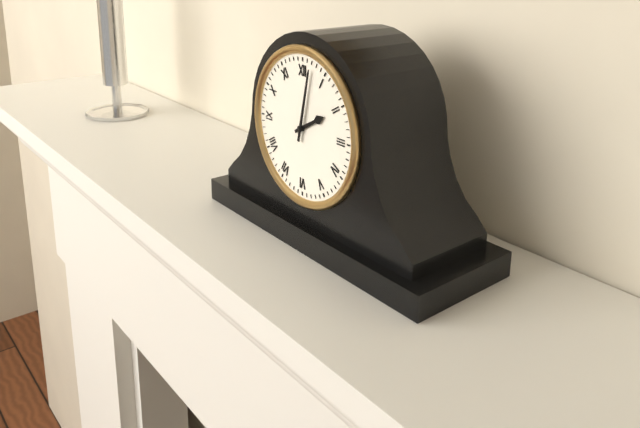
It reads {"hour": 2, "minute": 2}
